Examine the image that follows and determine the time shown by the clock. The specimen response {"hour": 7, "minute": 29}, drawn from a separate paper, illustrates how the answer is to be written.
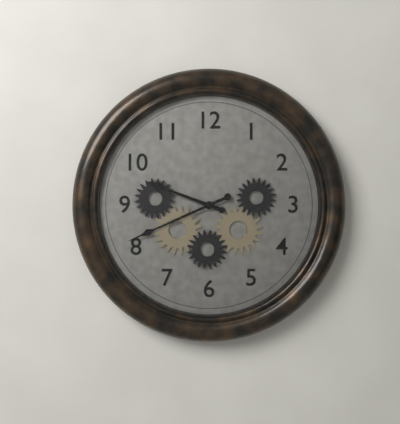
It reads {"hour": 9, "minute": 41}
